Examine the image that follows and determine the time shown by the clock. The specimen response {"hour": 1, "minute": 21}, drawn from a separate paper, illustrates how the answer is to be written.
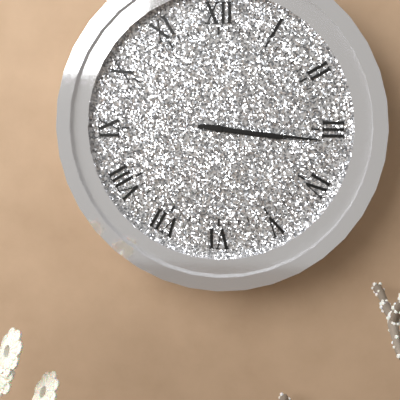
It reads {"hour": 3, "minute": 16}
